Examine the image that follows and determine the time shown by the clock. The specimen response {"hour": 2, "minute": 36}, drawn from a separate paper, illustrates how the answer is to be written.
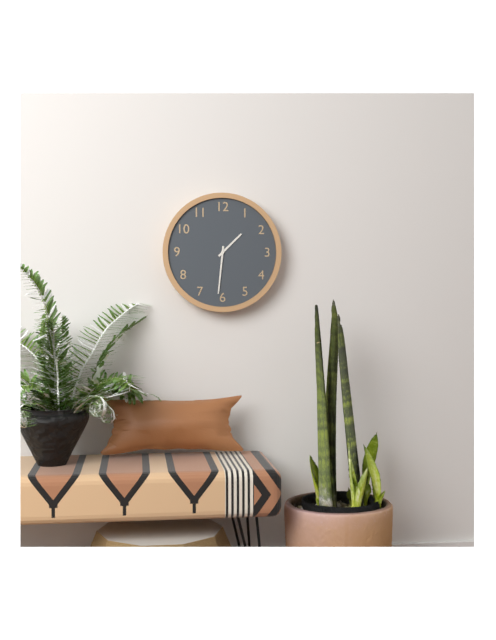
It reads {"hour": 1, "minute": 31}
